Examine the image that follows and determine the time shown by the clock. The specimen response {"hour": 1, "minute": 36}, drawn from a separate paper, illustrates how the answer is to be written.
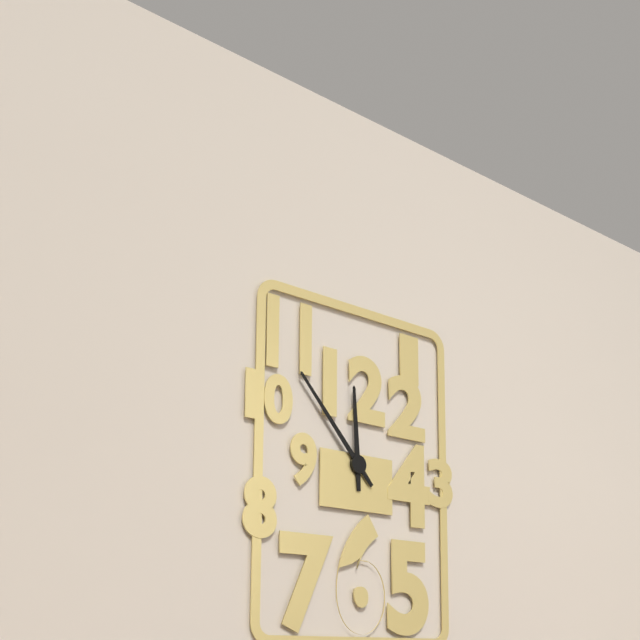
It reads {"hour": 11, "minute": 53}
